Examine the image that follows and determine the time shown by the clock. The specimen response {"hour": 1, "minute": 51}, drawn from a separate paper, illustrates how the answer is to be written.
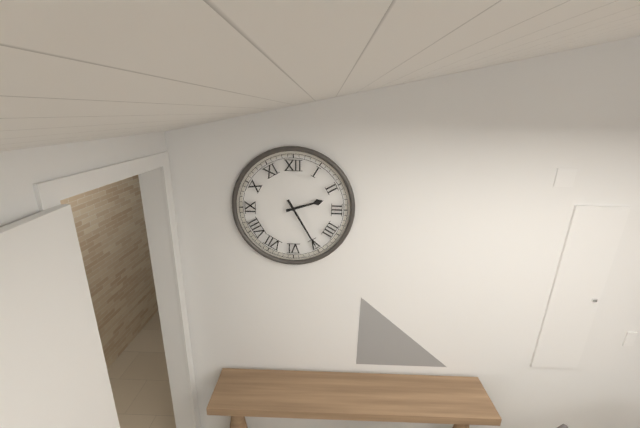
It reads {"hour": 2, "minute": 25}
